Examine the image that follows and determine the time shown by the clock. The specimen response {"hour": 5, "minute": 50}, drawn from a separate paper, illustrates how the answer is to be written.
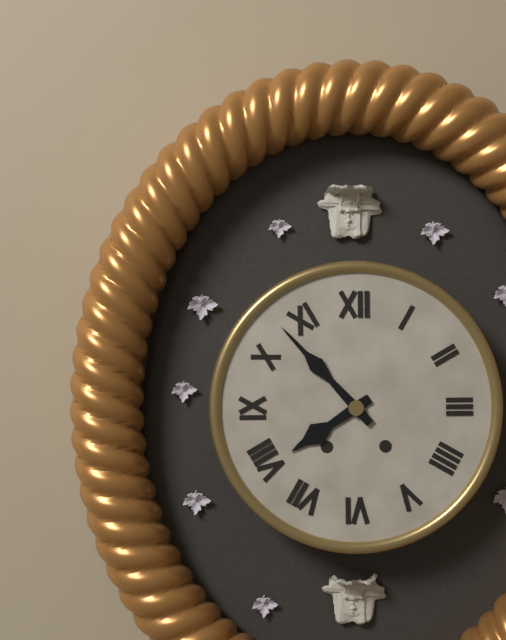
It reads {"hour": 7, "minute": 53}
